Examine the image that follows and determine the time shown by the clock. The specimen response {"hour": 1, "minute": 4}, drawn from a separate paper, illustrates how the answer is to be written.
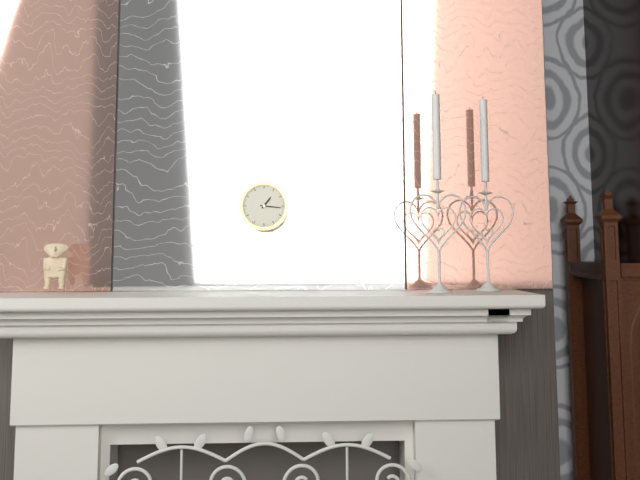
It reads {"hour": 1, "minute": 16}
